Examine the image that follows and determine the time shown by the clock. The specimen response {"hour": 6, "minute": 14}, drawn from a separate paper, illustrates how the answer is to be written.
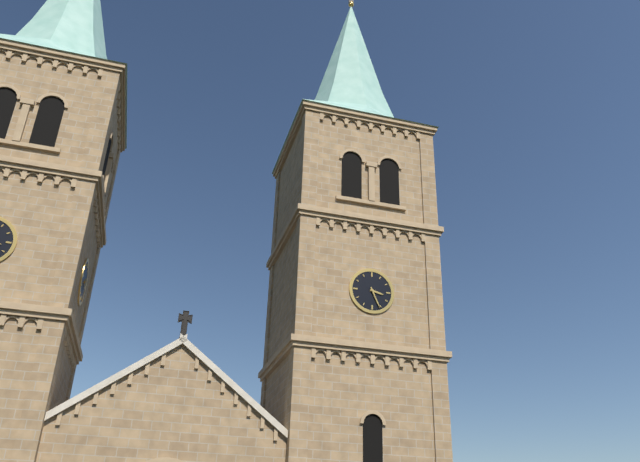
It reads {"hour": 3, "minute": 26}
